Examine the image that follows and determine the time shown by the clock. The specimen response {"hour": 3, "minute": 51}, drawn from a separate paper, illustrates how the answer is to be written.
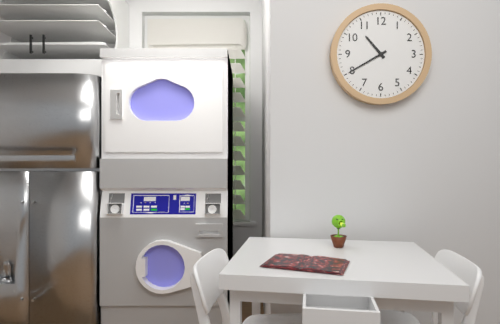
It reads {"hour": 10, "minute": 40}
